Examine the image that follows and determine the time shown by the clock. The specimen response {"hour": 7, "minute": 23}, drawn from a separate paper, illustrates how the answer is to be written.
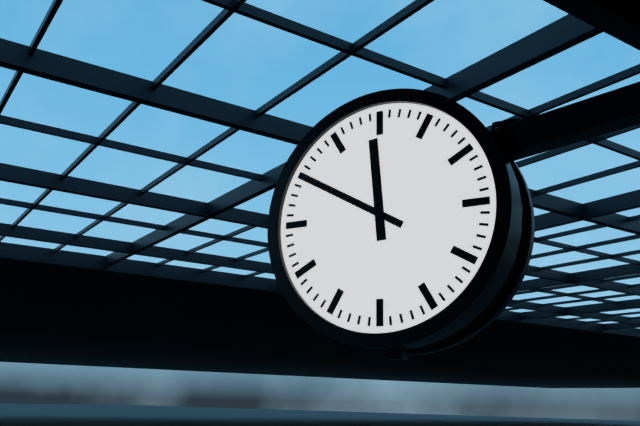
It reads {"hour": 11, "minute": 50}
